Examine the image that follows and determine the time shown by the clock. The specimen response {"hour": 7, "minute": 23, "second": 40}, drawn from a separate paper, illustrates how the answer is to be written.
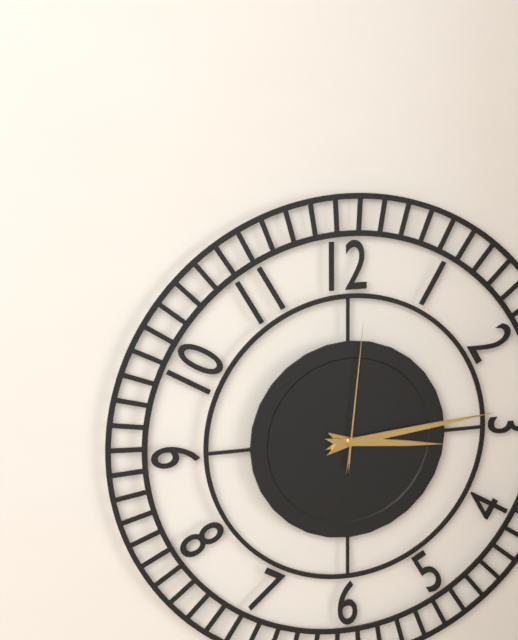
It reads {"hour": 3, "minute": 14, "second": 1}
